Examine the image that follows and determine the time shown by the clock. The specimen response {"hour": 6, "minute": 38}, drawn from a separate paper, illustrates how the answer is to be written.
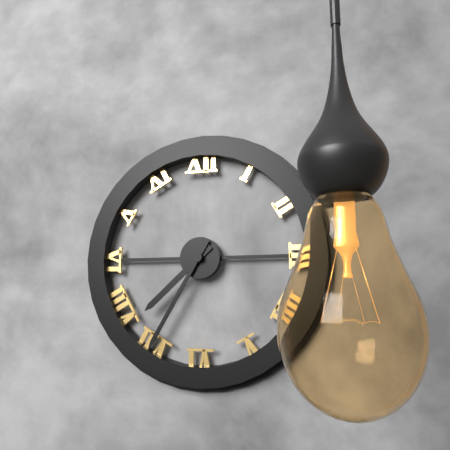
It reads {"hour": 7, "minute": 35}
